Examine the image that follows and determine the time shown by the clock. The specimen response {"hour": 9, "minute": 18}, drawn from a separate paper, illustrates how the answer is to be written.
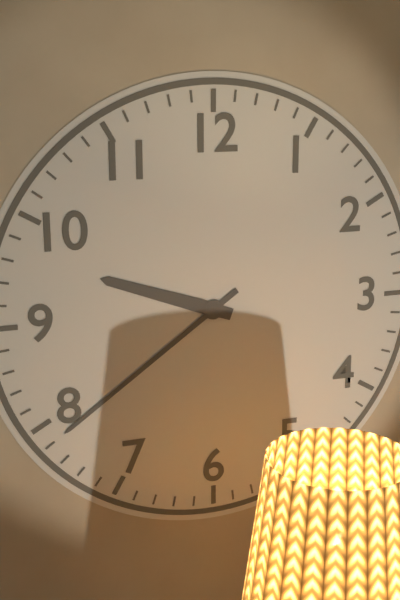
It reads {"hour": 9, "minute": 39}
